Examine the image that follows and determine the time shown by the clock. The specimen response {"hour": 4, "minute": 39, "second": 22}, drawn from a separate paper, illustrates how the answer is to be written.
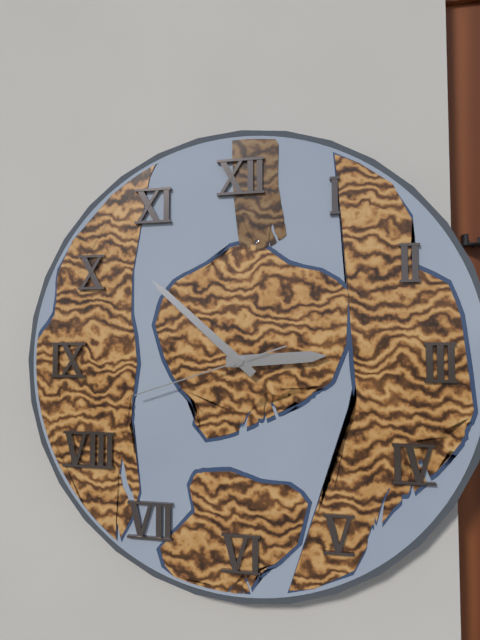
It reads {"hour": 2, "minute": 52, "second": 42}
